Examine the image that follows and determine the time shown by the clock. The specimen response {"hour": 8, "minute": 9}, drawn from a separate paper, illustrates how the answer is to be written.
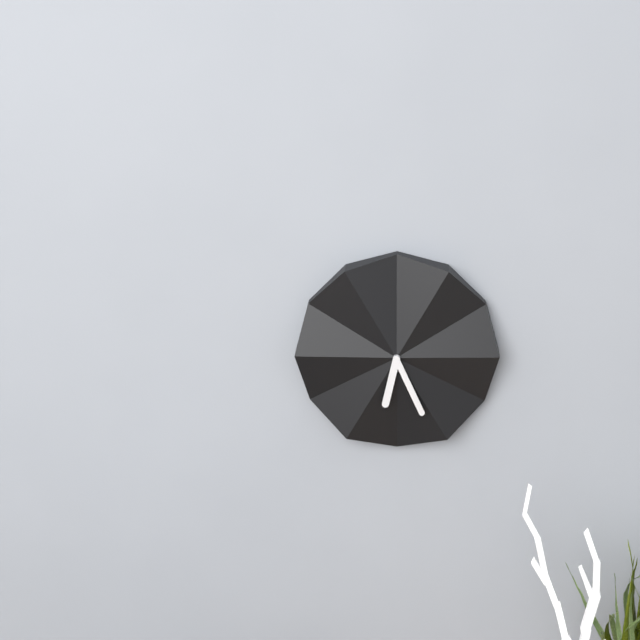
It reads {"hour": 6, "minute": 26}
